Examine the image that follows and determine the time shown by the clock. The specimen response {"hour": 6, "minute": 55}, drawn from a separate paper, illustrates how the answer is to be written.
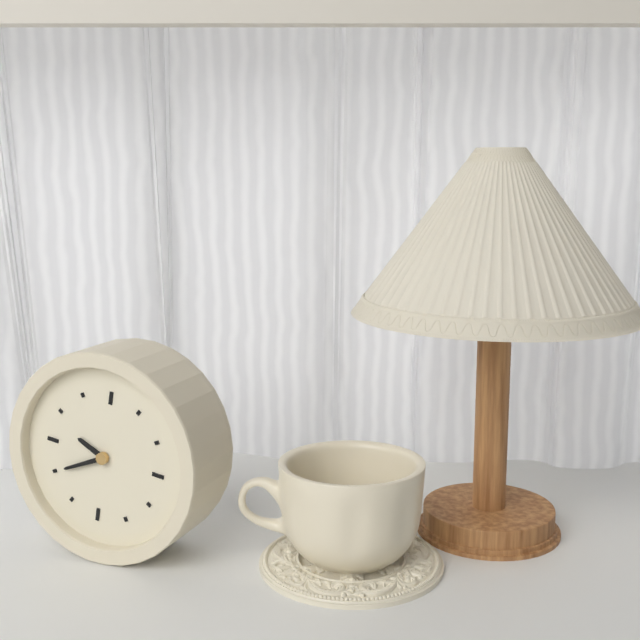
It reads {"hour": 9, "minute": 40}
